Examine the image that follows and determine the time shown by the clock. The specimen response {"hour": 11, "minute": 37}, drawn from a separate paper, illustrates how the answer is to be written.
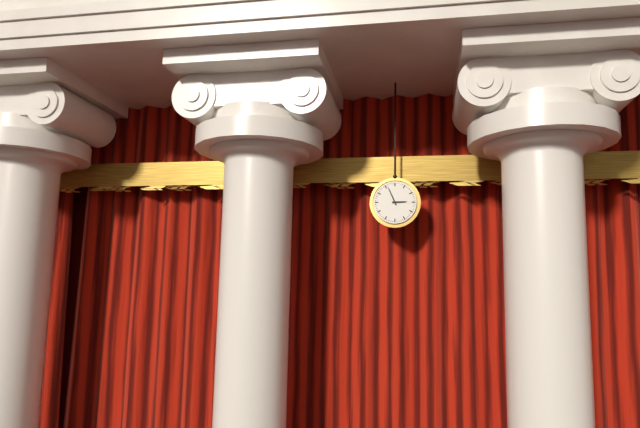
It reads {"hour": 2, "minute": 56}
